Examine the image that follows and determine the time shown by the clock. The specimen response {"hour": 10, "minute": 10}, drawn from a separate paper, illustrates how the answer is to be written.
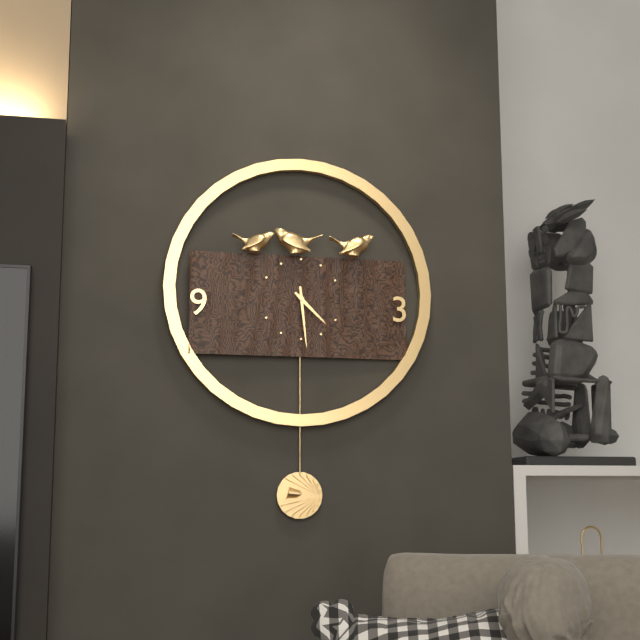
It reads {"hour": 4, "minute": 29}
